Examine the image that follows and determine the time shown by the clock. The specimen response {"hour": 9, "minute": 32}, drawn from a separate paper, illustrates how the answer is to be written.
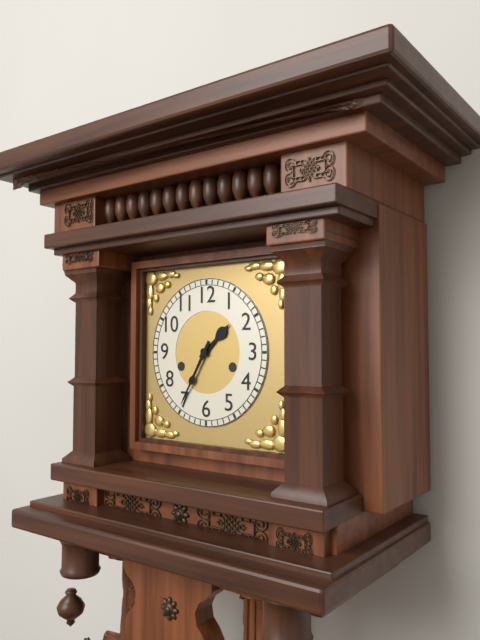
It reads {"hour": 1, "minute": 35}
